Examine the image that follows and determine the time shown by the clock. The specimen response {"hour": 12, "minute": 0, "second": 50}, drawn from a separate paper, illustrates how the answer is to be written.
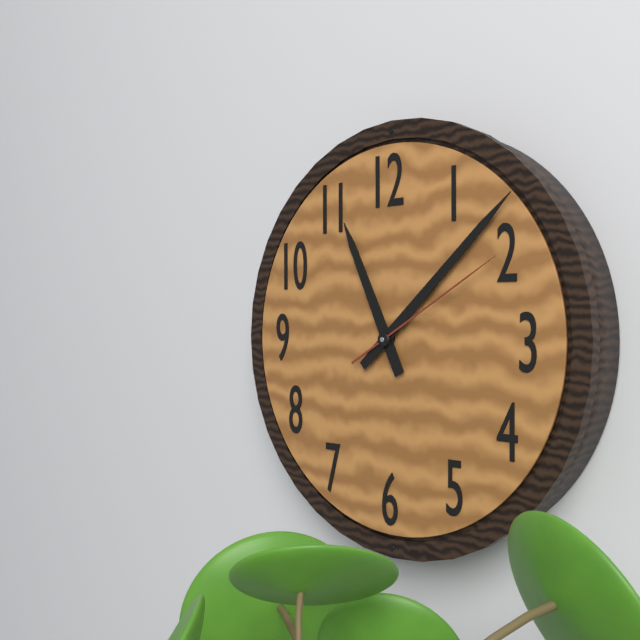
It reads {"hour": 11, "minute": 8, "second": 10}
